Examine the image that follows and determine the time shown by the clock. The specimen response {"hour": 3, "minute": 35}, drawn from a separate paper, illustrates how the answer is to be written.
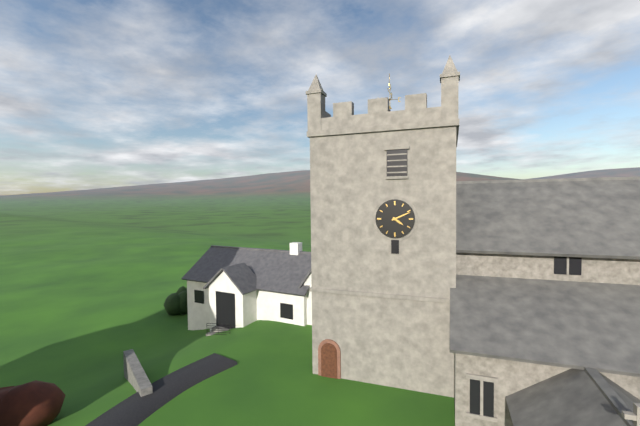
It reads {"hour": 4, "minute": 11}
